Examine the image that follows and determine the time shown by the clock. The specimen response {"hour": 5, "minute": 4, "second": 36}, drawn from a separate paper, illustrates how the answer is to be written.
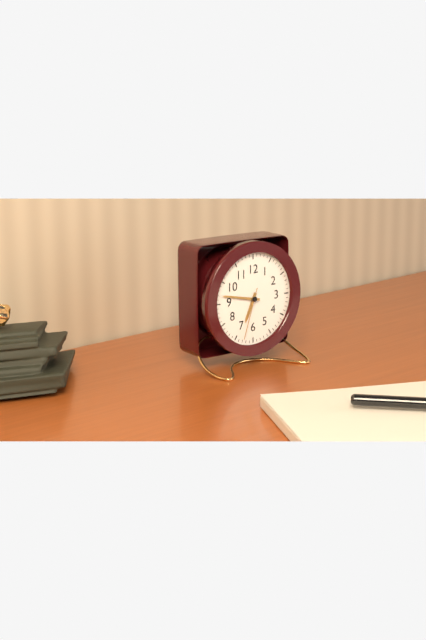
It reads {"hour": 6, "minute": 47, "second": 33}
